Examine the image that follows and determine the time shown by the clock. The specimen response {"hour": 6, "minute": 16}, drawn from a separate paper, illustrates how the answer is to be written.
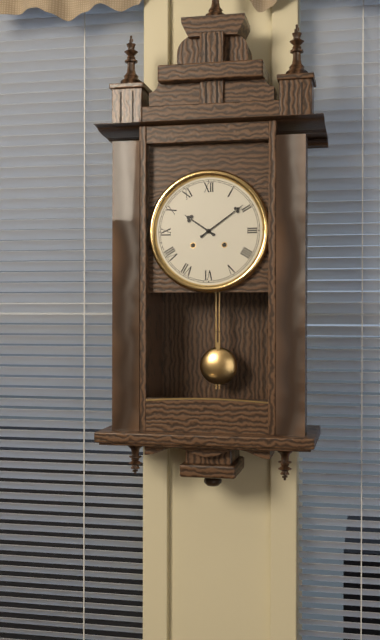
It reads {"hour": 10, "minute": 9}
